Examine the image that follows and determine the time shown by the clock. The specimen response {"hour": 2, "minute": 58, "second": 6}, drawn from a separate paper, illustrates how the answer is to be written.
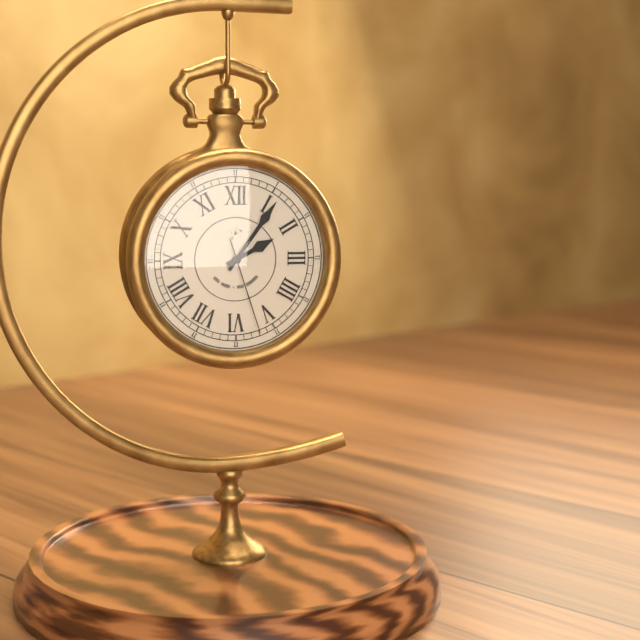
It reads {"hour": 2, "minute": 6, "second": 27}
